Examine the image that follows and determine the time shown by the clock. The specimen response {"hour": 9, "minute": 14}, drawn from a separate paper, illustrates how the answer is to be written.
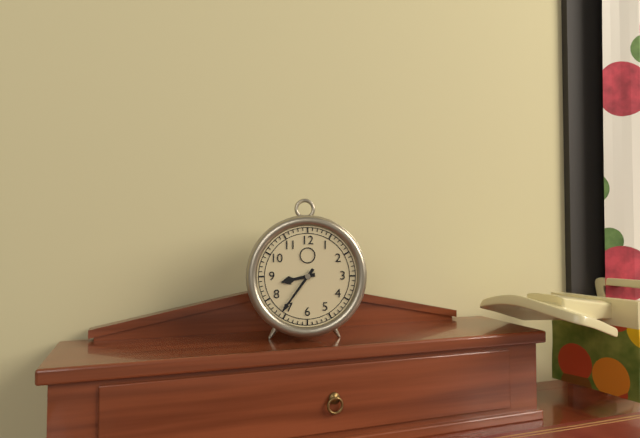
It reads {"hour": 8, "minute": 36}
